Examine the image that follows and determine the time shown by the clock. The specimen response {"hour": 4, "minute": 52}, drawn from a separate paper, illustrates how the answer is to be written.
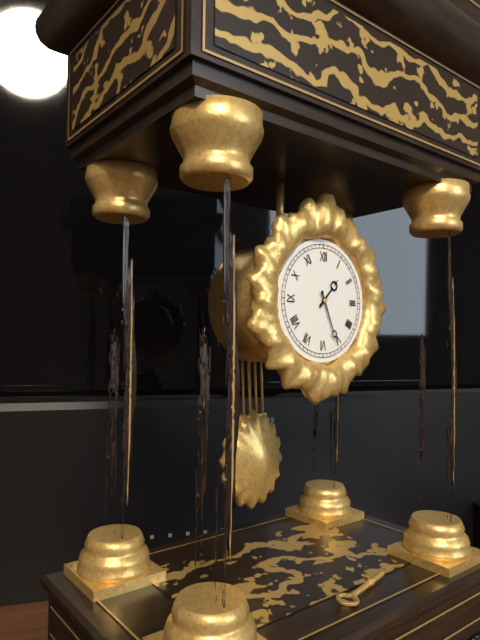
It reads {"hour": 1, "minute": 26}
